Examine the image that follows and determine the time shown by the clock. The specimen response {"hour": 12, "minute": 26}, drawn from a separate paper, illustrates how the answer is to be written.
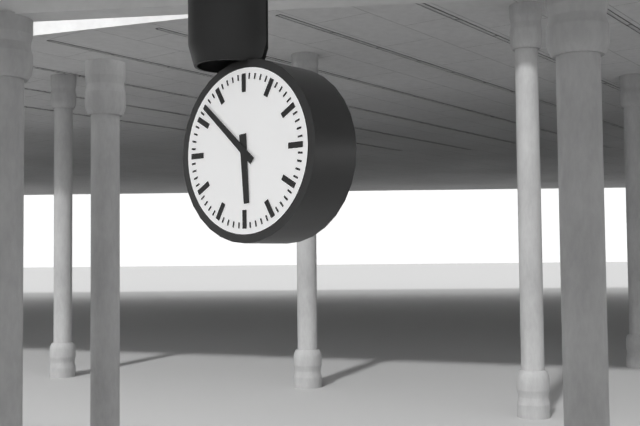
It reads {"hour": 5, "minute": 52}
